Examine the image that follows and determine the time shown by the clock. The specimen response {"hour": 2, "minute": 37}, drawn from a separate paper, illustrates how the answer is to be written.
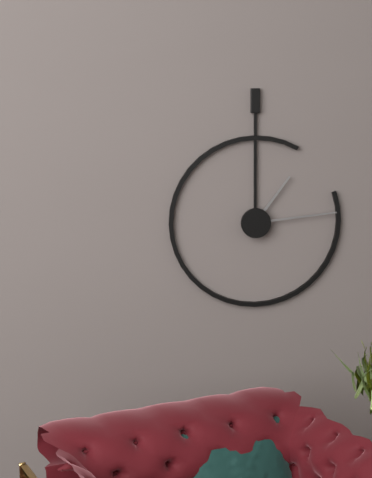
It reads {"hour": 1, "minute": 14}
